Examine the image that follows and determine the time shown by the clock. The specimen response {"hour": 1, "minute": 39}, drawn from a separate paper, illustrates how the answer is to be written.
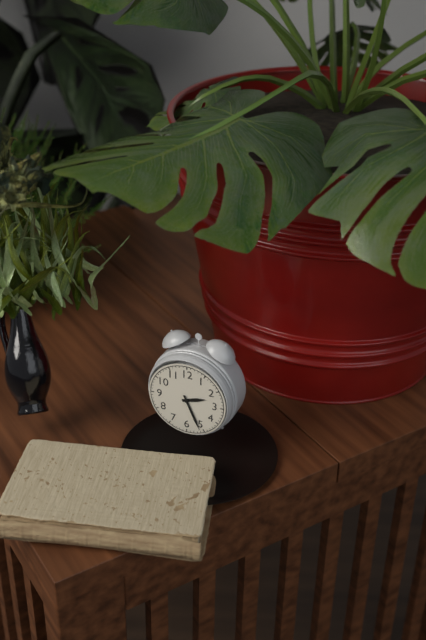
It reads {"hour": 2, "minute": 26}
